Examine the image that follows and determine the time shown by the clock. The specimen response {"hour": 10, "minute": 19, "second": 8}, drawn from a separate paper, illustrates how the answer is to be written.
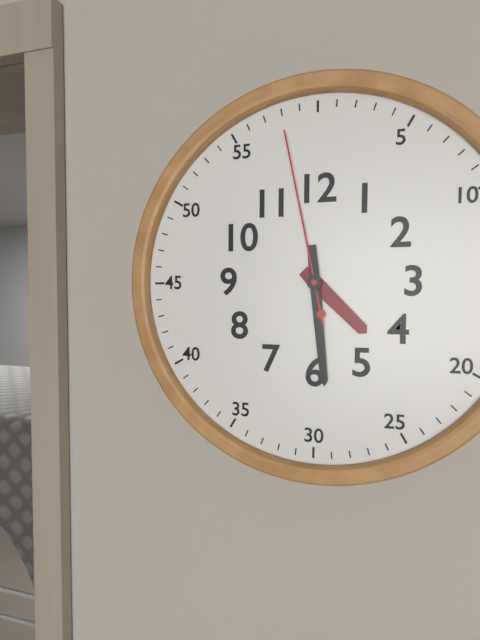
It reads {"hour": 4, "minute": 29, "second": 58}
